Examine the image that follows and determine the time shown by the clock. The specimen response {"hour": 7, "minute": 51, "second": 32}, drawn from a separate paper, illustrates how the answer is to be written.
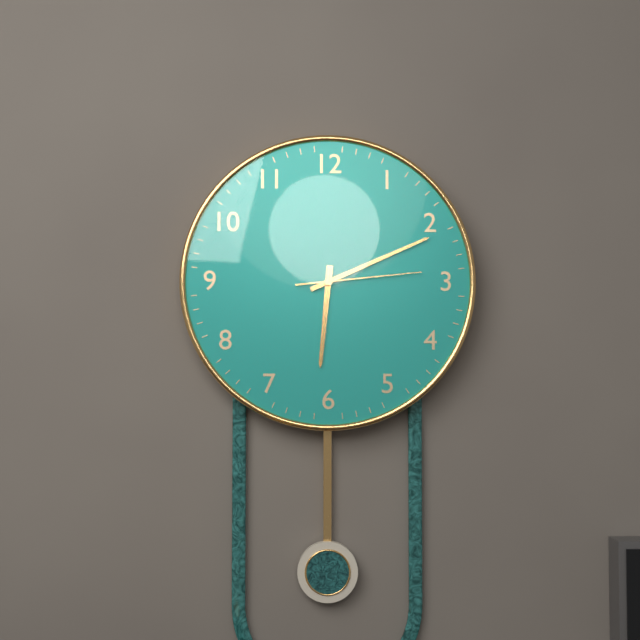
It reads {"hour": 6, "minute": 11, "second": 14}
